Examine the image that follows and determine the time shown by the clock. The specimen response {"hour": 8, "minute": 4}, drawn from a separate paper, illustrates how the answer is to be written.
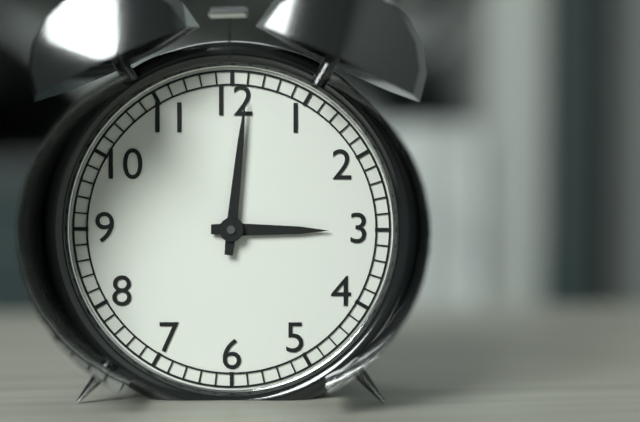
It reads {"hour": 3, "minute": 1}
